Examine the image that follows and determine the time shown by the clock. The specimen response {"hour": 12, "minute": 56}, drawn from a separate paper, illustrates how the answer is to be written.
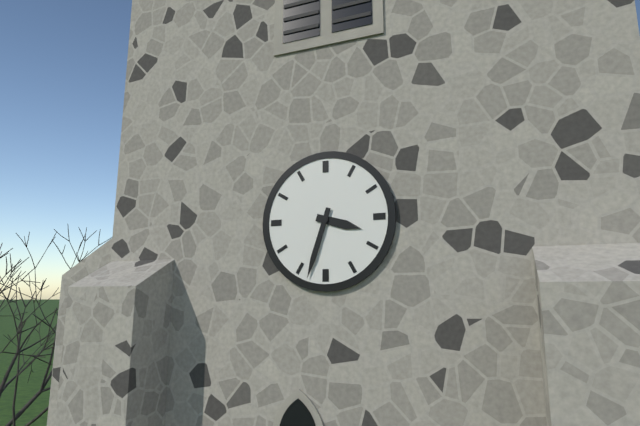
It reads {"hour": 3, "minute": 33}
